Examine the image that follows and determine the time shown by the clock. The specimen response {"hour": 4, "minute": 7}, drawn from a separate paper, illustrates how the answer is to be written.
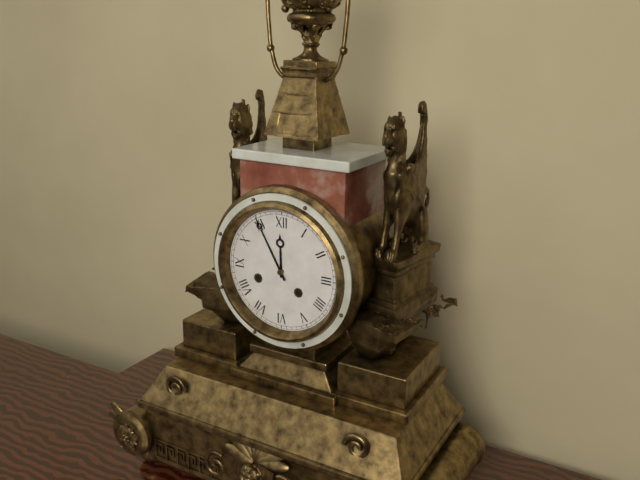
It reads {"hour": 11, "minute": 55}
